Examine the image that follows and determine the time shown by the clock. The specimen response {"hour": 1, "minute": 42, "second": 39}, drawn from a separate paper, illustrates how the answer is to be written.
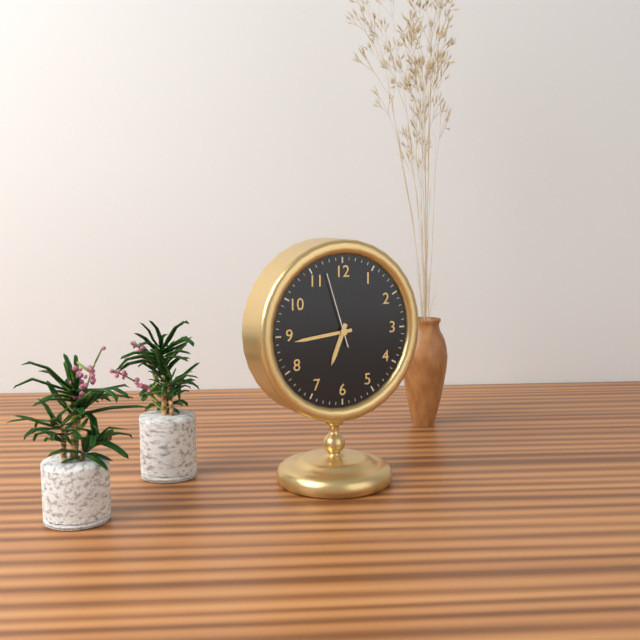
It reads {"hour": 6, "minute": 44, "second": 57}
